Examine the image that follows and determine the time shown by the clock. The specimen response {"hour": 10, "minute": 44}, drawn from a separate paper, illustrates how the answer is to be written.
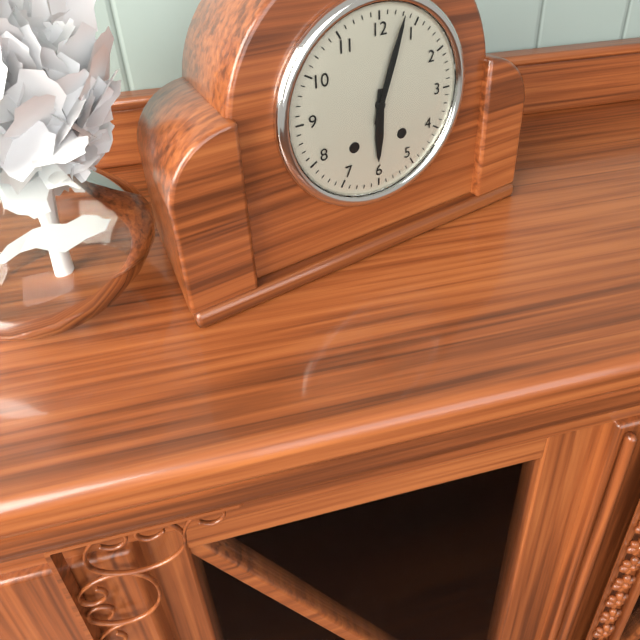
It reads {"hour": 6, "minute": 3}
